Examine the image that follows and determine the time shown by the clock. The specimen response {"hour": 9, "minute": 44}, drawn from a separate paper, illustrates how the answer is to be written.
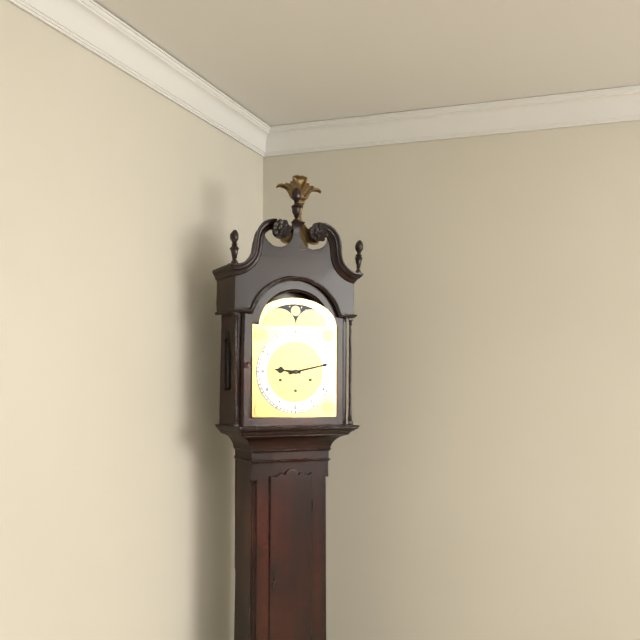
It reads {"hour": 9, "minute": 13}
